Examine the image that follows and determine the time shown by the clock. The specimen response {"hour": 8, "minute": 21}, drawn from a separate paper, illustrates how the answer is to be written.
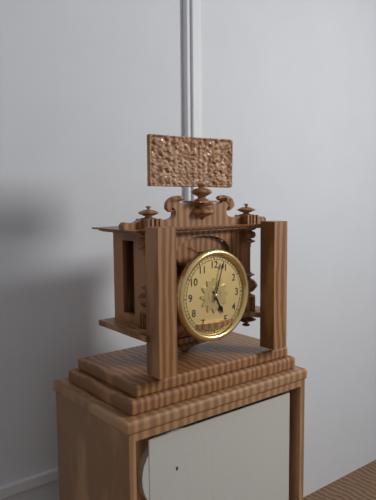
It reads {"hour": 5, "minute": 3}
